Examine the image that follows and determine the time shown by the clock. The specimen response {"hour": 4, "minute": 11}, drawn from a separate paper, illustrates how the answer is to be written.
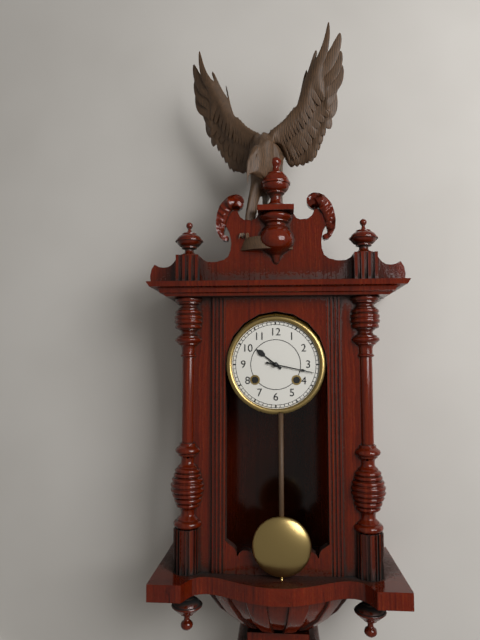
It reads {"hour": 10, "minute": 17}
